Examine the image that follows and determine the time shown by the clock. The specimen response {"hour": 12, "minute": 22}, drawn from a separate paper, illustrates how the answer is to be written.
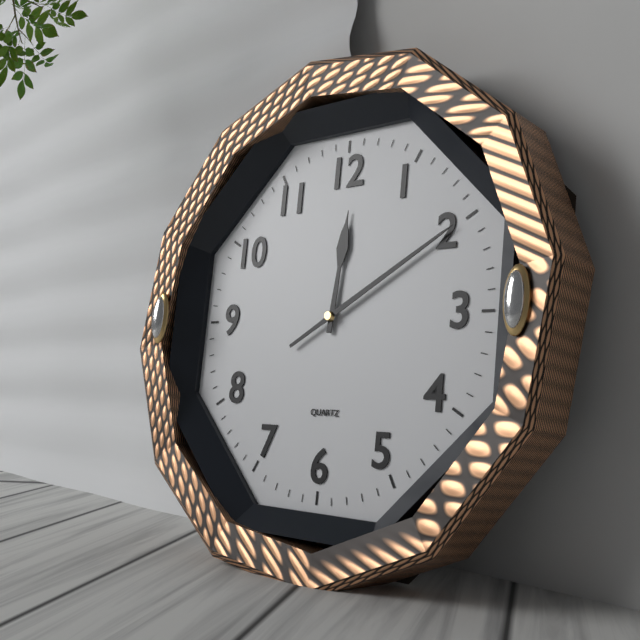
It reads {"hour": 12, "minute": 10}
